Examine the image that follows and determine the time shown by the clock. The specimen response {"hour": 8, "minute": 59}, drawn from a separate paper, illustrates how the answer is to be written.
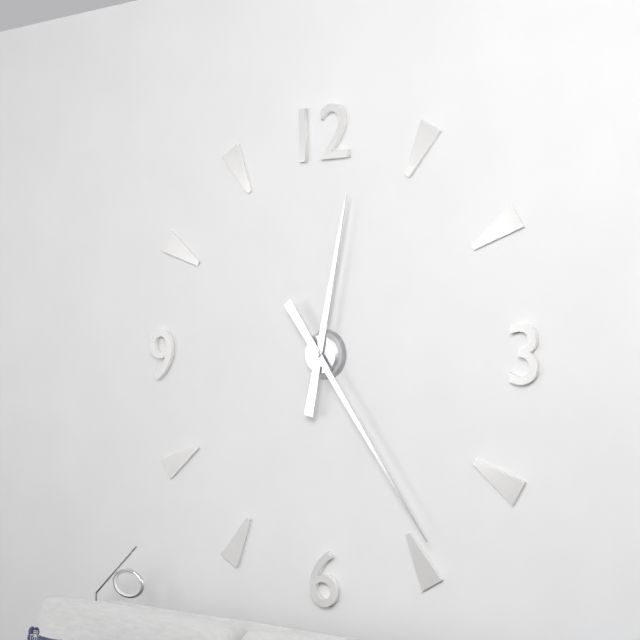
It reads {"hour": 12, "minute": 24}
